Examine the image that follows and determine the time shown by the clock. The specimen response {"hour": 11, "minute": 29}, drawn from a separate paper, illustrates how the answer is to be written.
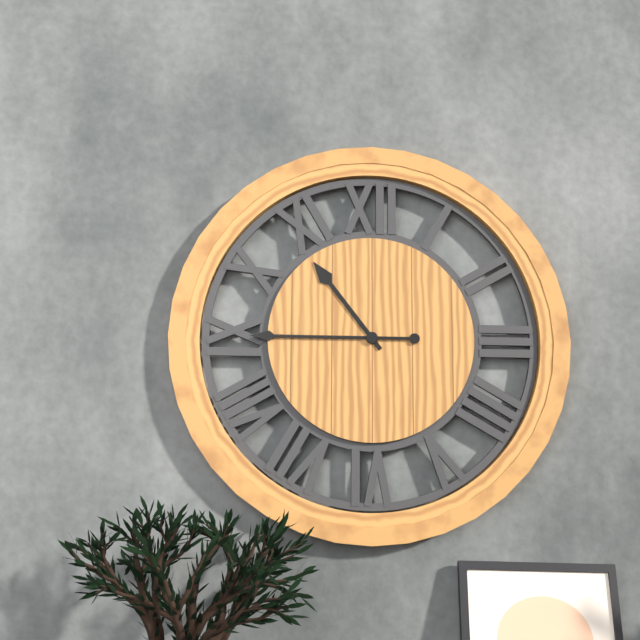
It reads {"hour": 10, "minute": 45}
